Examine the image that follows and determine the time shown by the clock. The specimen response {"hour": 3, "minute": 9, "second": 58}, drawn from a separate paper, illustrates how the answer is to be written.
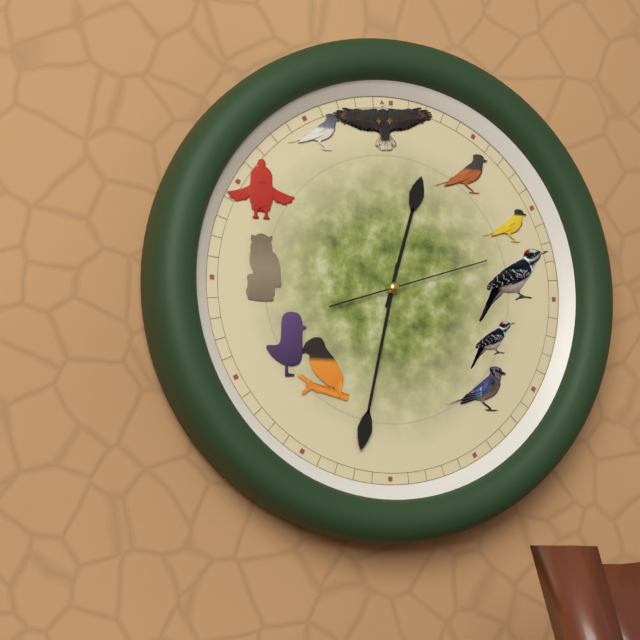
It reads {"hour": 12, "minute": 32, "second": 12}
